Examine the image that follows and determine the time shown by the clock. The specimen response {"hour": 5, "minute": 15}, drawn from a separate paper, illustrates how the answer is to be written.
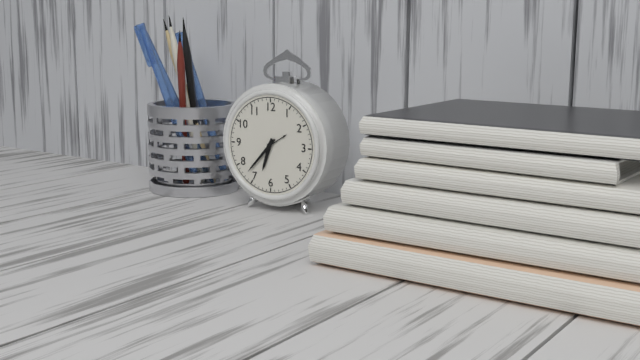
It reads {"hour": 6, "minute": 37}
